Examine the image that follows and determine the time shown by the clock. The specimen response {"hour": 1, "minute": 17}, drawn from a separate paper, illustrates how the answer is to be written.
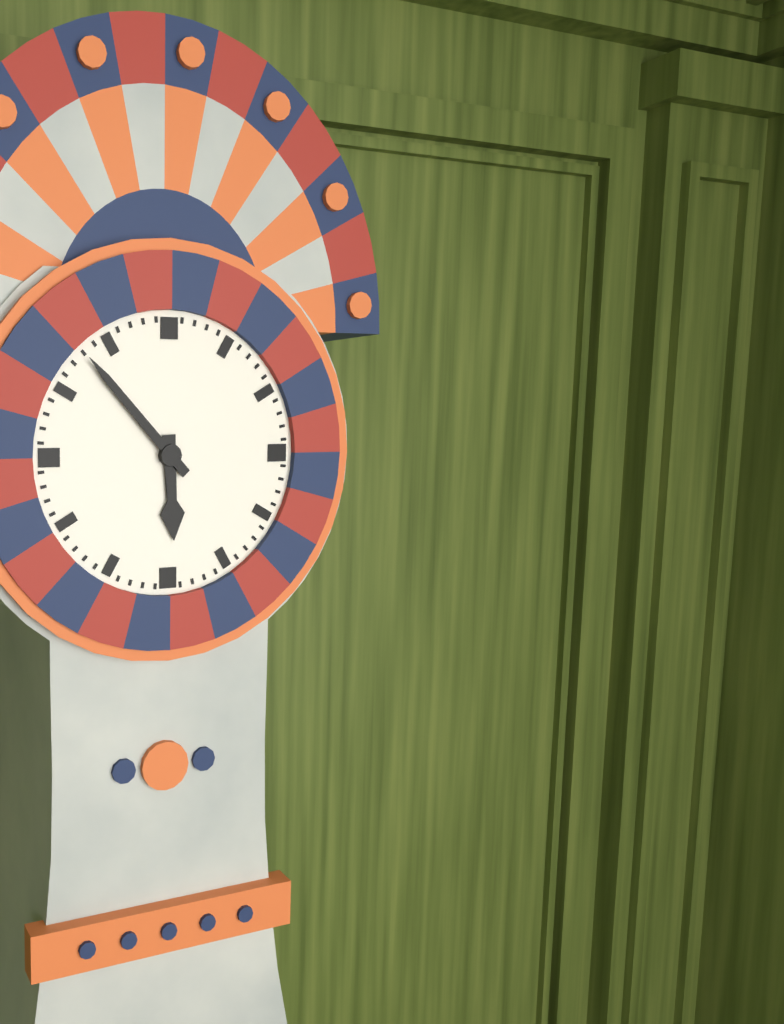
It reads {"hour": 5, "minute": 53}
